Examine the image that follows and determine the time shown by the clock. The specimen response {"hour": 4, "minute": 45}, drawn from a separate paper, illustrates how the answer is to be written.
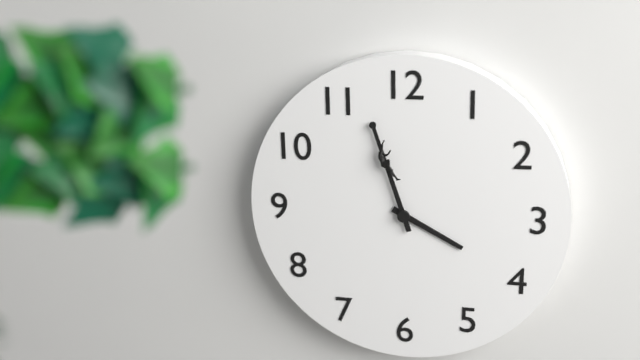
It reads {"hour": 3, "minute": 57}
